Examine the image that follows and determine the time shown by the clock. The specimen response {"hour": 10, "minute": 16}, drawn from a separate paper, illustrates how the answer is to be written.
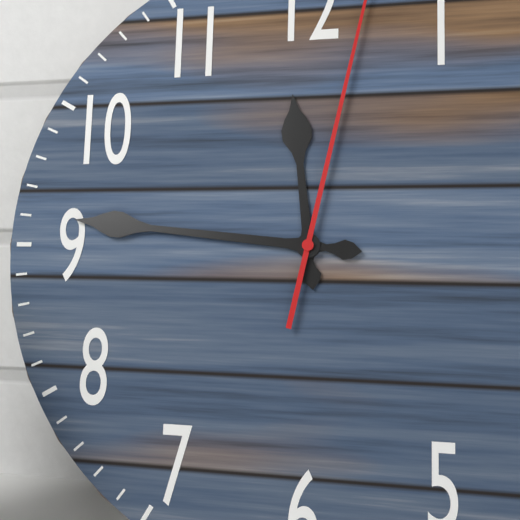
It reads {"hour": 11, "minute": 46}
